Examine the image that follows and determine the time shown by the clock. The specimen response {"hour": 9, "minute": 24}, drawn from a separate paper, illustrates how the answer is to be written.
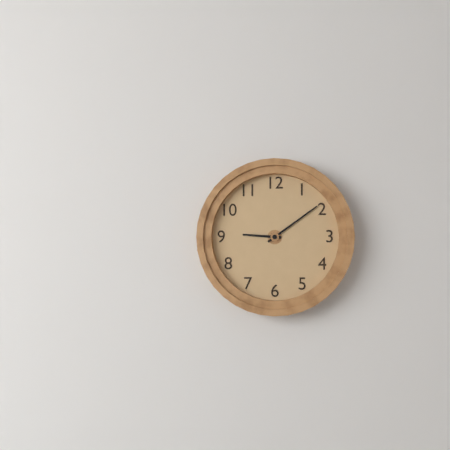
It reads {"hour": 9, "minute": 9}
